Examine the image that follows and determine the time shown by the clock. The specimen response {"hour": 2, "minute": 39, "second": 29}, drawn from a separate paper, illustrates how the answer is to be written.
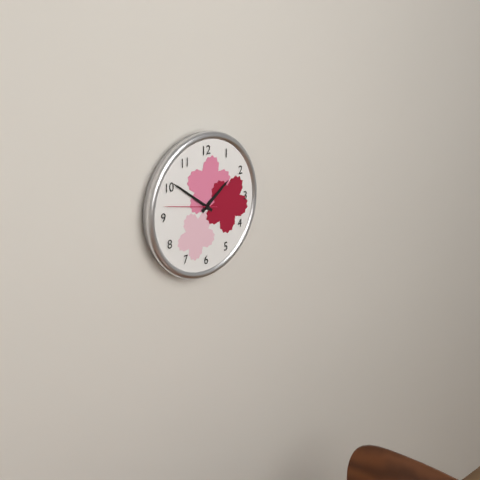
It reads {"hour": 1, "minute": 51, "second": 47}
